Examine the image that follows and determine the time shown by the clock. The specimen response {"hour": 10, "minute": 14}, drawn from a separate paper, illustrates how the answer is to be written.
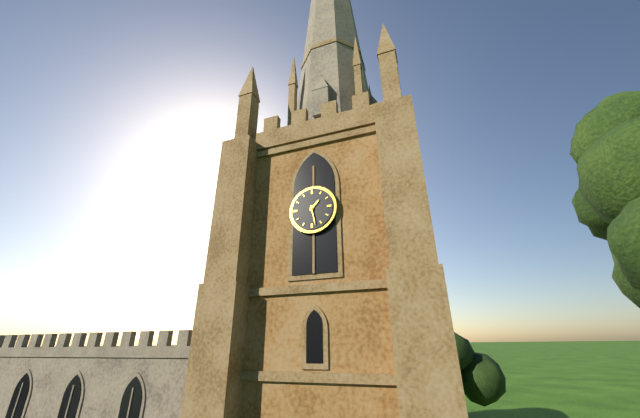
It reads {"hour": 1, "minute": 28}
